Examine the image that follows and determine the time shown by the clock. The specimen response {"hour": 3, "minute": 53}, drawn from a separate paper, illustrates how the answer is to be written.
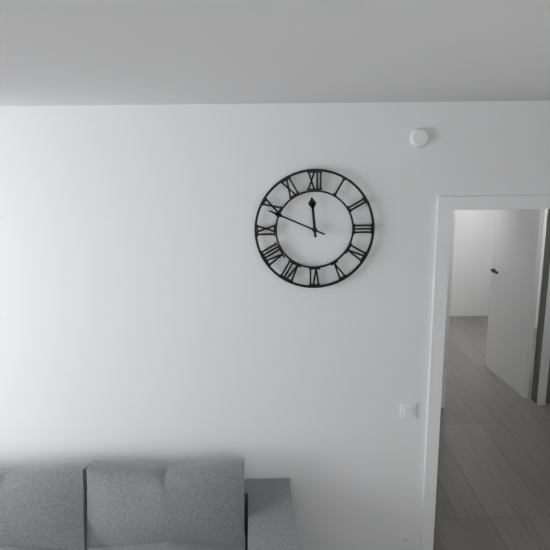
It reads {"hour": 11, "minute": 49}
